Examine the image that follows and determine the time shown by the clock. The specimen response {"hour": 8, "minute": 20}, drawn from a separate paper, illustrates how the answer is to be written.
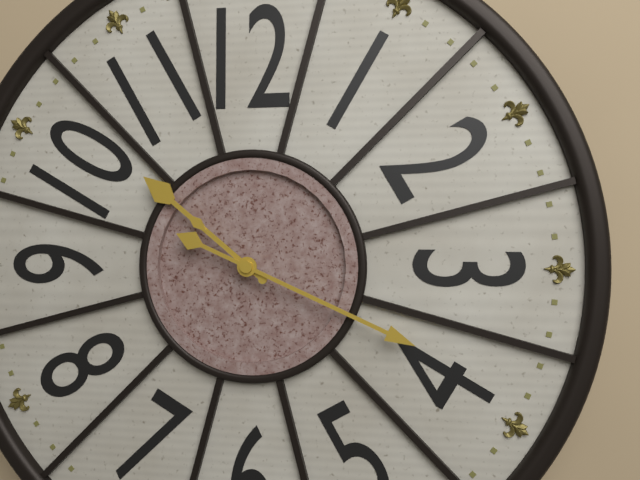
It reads {"hour": 10, "minute": 19}
